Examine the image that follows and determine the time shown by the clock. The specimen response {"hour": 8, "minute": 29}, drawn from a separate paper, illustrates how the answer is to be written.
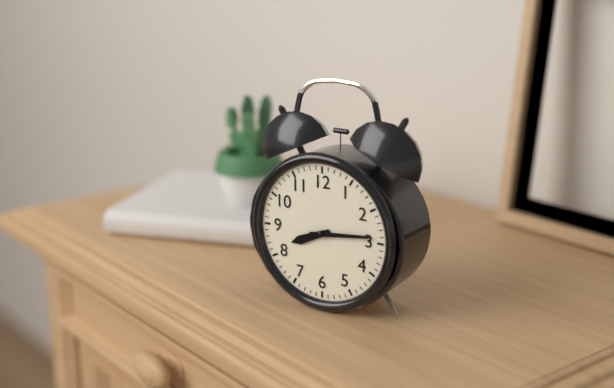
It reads {"hour": 8, "minute": 14}
